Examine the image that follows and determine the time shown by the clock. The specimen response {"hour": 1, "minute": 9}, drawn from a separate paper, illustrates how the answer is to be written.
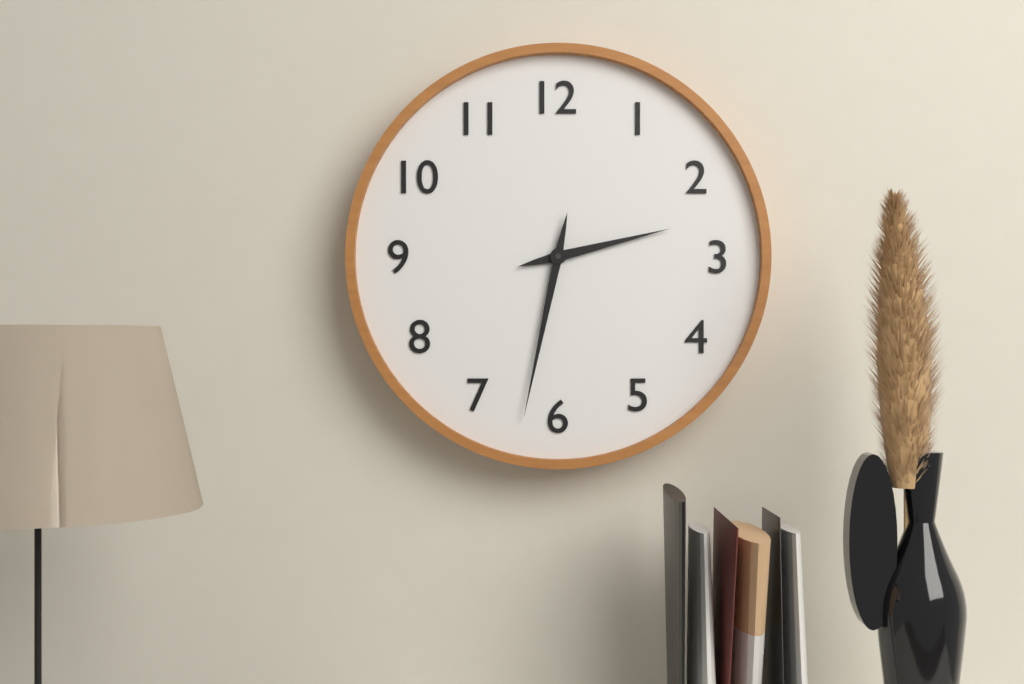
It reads {"hour": 2, "minute": 32}
